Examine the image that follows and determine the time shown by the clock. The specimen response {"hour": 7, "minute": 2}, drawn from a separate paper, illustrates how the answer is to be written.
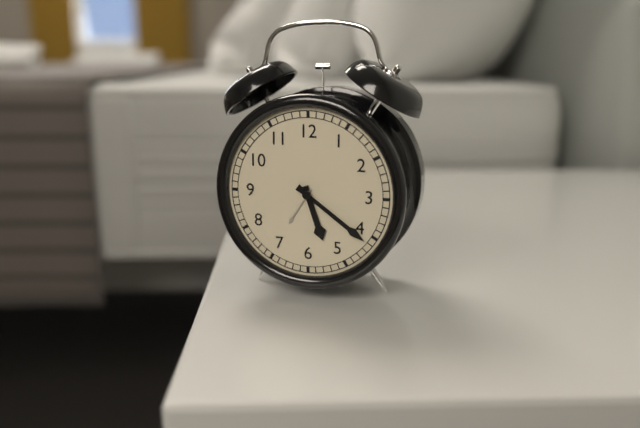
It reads {"hour": 5, "minute": 21}
